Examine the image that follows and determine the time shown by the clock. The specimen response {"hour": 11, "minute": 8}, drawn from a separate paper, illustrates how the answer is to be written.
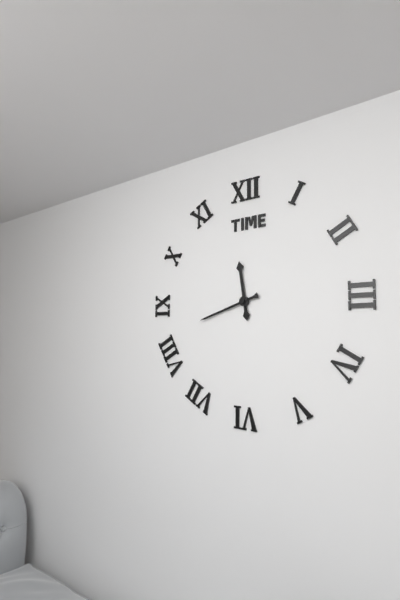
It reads {"hour": 11, "minute": 42}
